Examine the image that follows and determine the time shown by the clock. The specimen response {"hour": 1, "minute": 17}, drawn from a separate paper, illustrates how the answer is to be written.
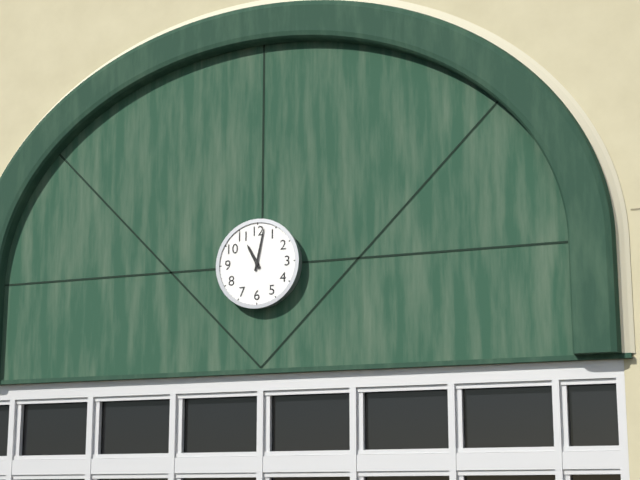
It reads {"hour": 11, "minute": 2}
